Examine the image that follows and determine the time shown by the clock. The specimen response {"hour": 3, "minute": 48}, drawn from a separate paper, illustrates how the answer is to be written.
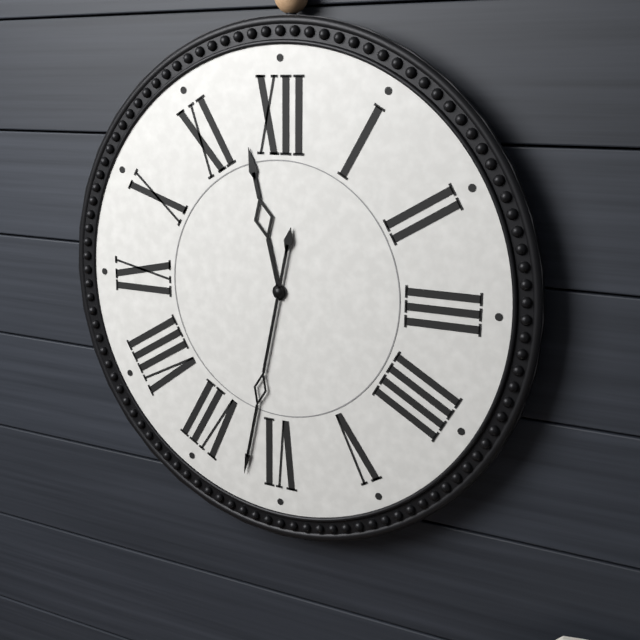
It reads {"hour": 11, "minute": 32}
